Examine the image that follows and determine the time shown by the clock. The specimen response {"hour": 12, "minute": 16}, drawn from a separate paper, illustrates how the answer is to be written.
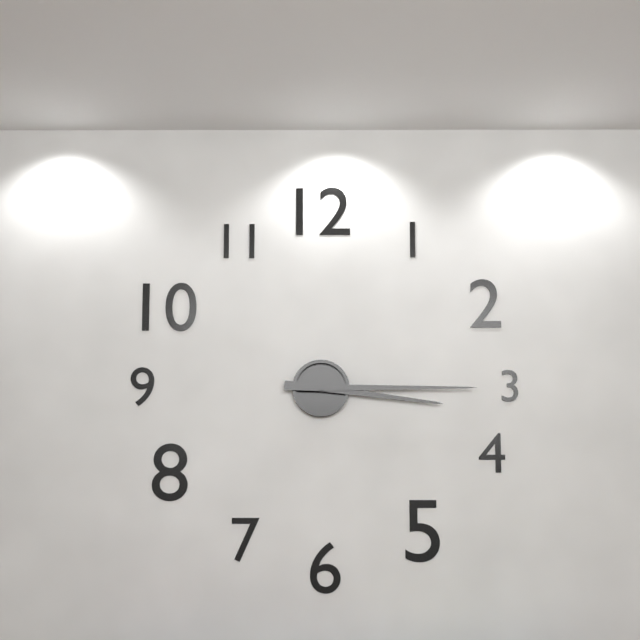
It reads {"hour": 3, "minute": 15}
